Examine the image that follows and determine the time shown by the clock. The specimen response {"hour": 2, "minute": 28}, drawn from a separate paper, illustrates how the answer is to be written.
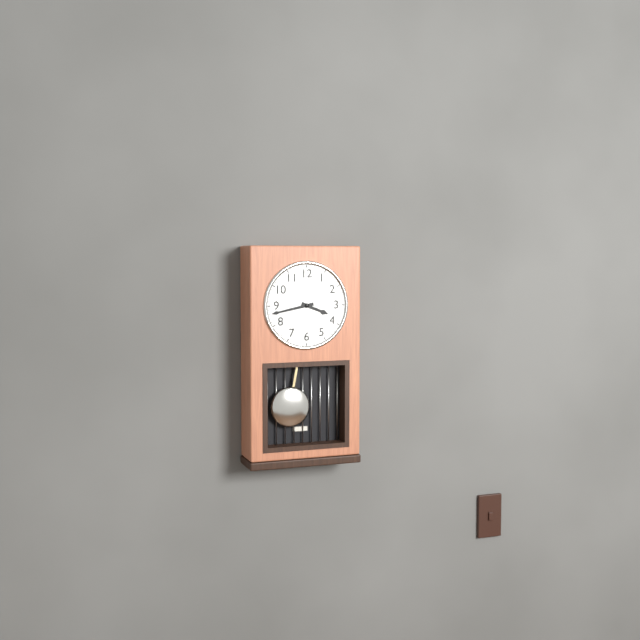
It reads {"hour": 3, "minute": 43}
